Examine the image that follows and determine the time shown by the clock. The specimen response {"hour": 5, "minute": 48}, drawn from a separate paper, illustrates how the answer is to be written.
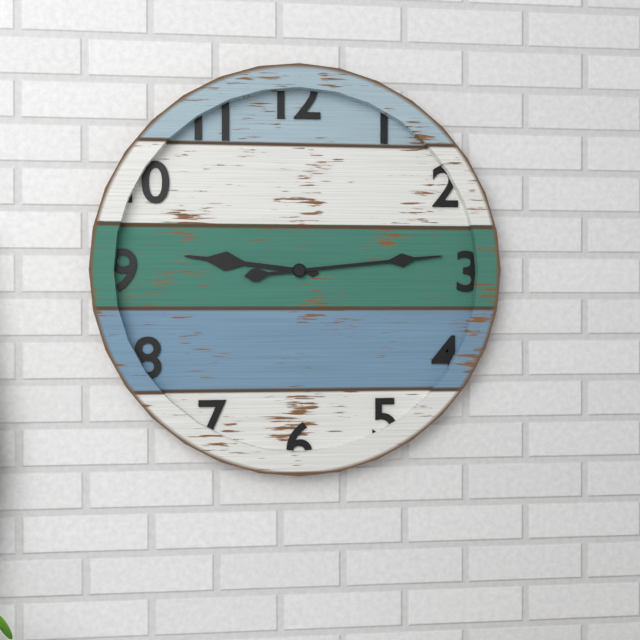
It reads {"hour": 9, "minute": 14}
